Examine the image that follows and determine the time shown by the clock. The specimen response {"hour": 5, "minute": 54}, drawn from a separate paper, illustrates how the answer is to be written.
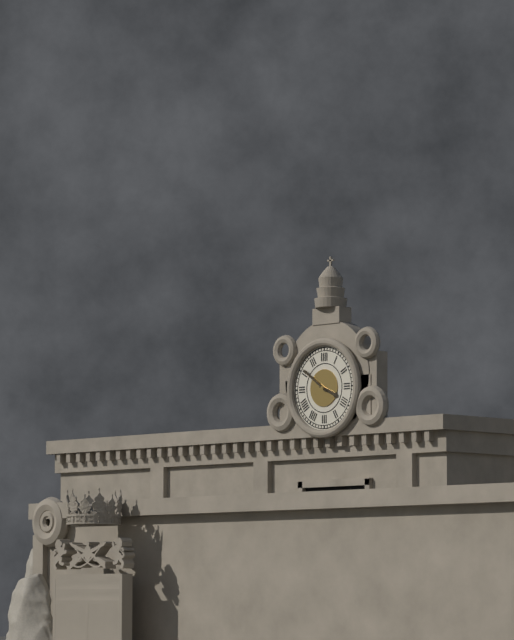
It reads {"hour": 3, "minute": 51}
